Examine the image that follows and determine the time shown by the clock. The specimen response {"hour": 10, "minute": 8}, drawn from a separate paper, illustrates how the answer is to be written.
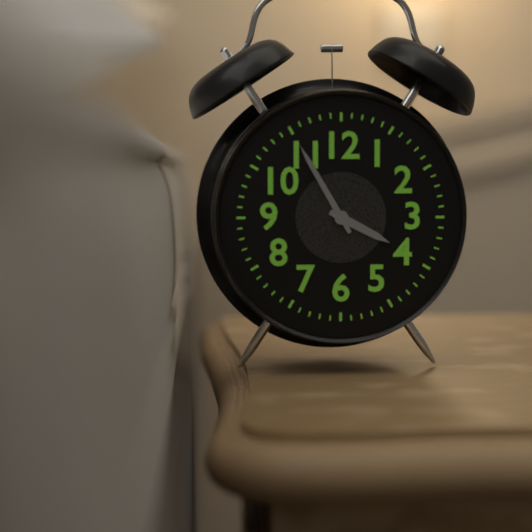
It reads {"hour": 3, "minute": 55}
